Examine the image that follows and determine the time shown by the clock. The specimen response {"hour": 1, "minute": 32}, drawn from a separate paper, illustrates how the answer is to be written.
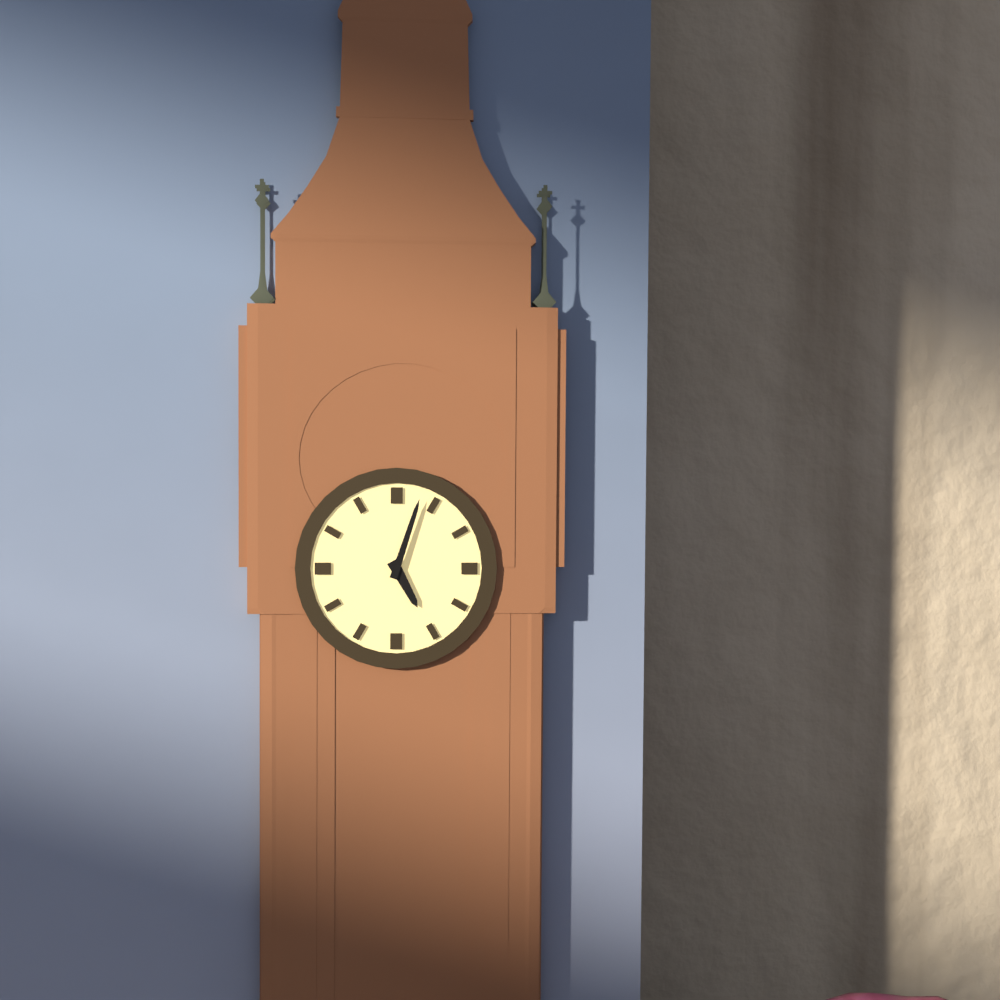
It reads {"hour": 5, "minute": 3}
